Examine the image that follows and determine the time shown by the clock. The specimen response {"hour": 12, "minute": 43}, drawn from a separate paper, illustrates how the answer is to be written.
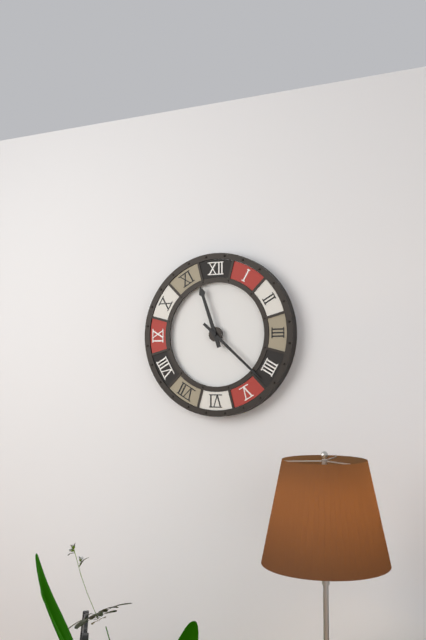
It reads {"hour": 11, "minute": 22}
